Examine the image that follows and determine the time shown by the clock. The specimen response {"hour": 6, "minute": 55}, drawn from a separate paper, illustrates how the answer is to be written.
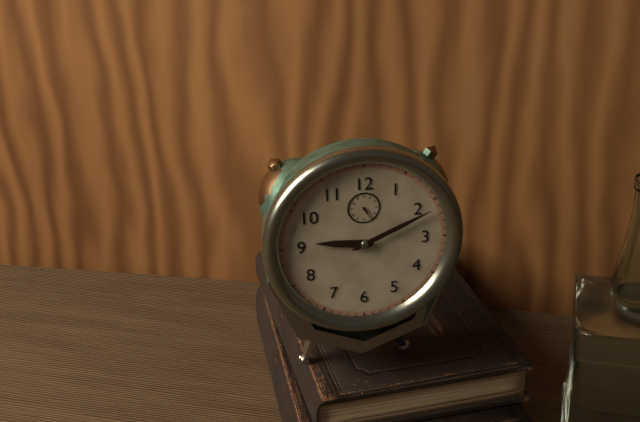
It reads {"hour": 9, "minute": 11}
